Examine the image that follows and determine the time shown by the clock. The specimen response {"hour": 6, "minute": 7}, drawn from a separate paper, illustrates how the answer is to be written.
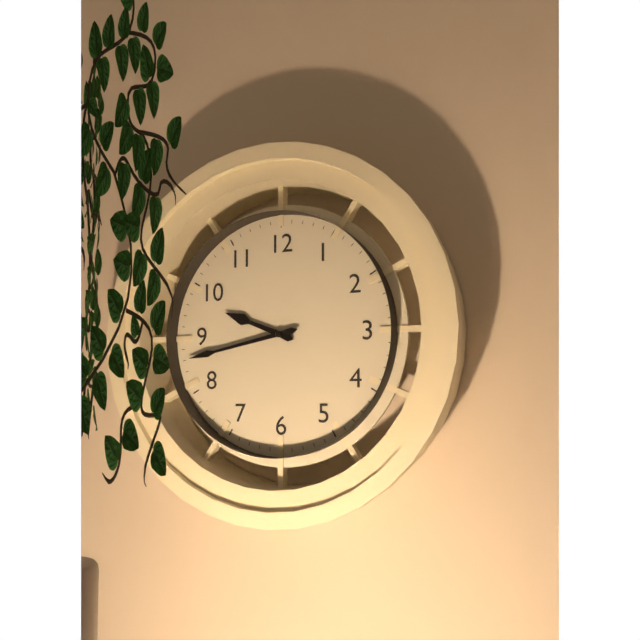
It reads {"hour": 9, "minute": 43}
